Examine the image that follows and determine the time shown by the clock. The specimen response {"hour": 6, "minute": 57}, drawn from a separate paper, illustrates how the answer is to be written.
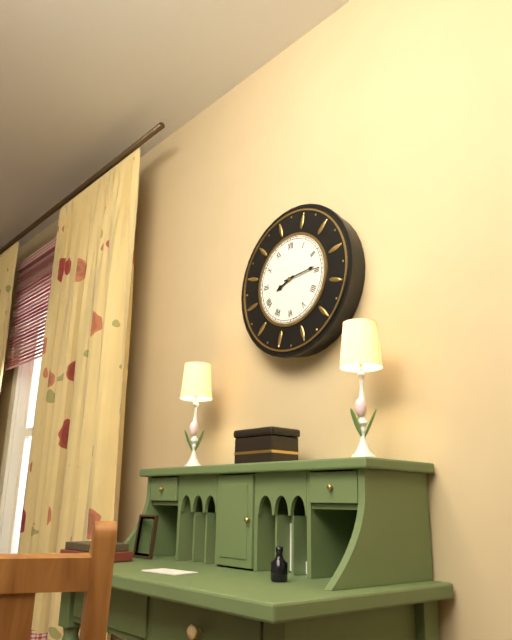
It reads {"hour": 8, "minute": 14}
